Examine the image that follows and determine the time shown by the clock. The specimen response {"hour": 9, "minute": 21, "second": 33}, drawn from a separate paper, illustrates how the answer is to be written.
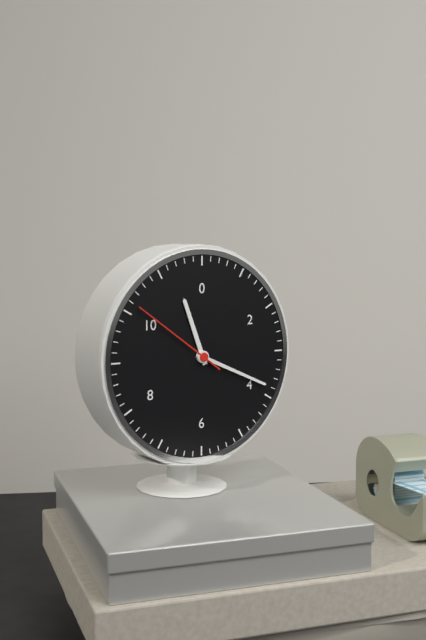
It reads {"hour": 11, "minute": 19, "second": 51}
